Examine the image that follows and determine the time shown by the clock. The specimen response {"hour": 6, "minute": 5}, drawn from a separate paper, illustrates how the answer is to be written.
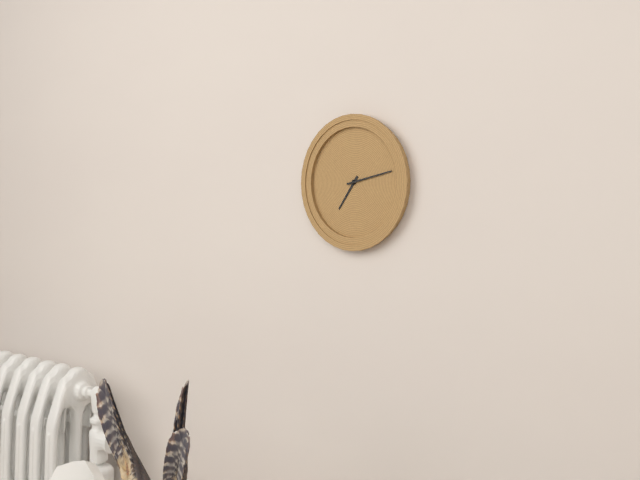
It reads {"hour": 7, "minute": 13}
